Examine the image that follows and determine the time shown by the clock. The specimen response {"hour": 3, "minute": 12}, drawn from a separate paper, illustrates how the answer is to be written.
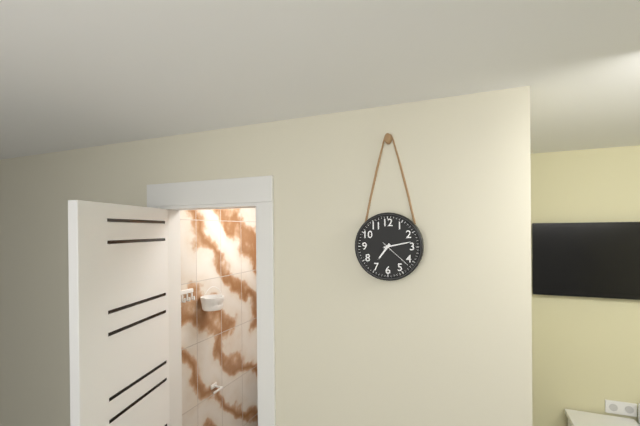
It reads {"hour": 7, "minute": 13}
